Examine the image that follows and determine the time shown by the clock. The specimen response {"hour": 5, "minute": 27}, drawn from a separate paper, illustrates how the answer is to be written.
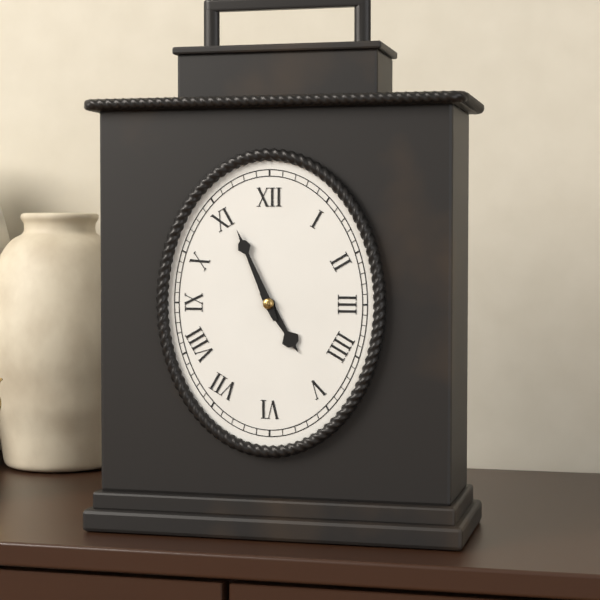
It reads {"hour": 4, "minute": 56}
